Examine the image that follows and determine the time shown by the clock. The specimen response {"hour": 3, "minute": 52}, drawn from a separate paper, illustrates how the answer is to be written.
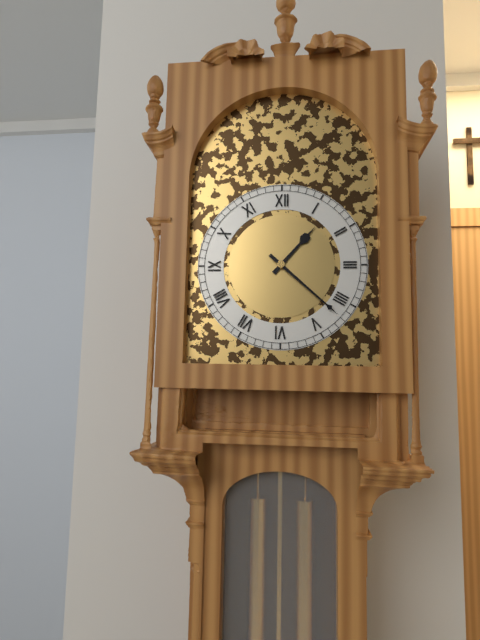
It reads {"hour": 1, "minute": 22}
